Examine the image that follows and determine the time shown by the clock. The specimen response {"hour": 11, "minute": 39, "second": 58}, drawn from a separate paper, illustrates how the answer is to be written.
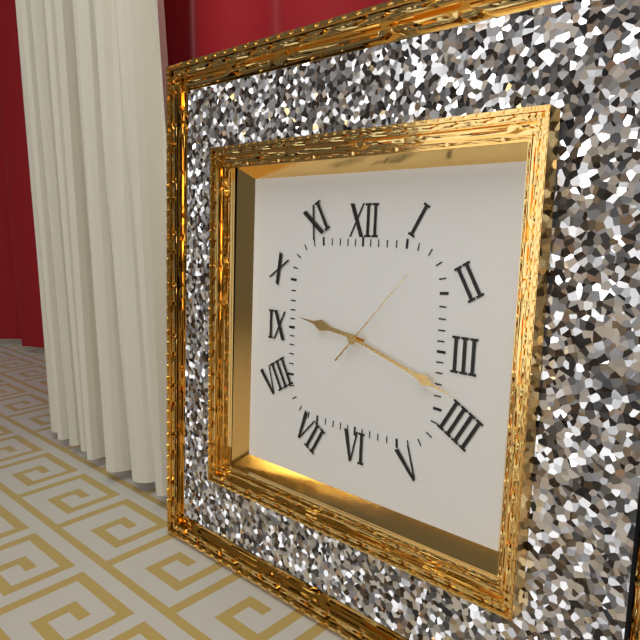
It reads {"hour": 9, "minute": 18, "second": 7}
